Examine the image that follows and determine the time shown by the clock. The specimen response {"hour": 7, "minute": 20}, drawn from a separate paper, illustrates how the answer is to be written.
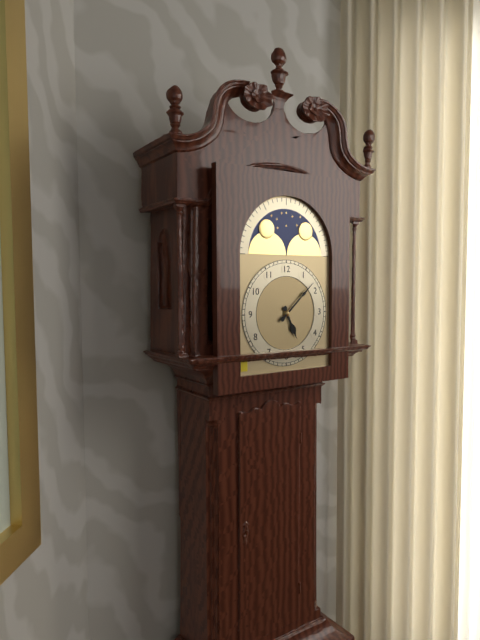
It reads {"hour": 5, "minute": 8}
